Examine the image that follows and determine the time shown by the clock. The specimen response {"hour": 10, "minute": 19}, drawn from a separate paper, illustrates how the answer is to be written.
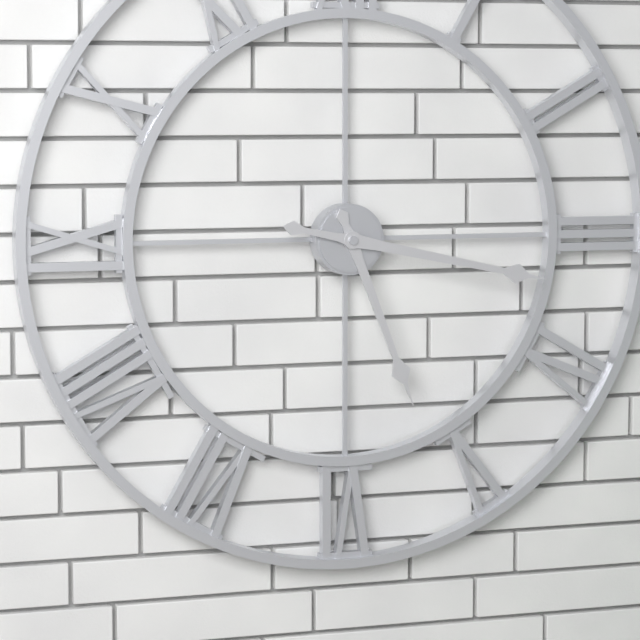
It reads {"hour": 5, "minute": 17}
